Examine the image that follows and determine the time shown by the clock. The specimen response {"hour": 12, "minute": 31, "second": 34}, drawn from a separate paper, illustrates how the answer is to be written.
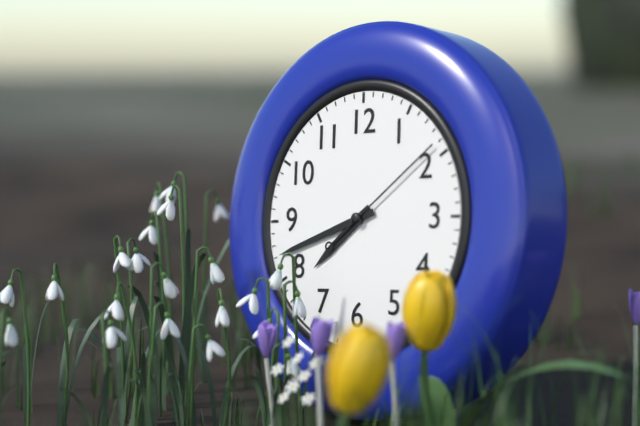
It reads {"hour": 7, "minute": 42, "second": 9}
